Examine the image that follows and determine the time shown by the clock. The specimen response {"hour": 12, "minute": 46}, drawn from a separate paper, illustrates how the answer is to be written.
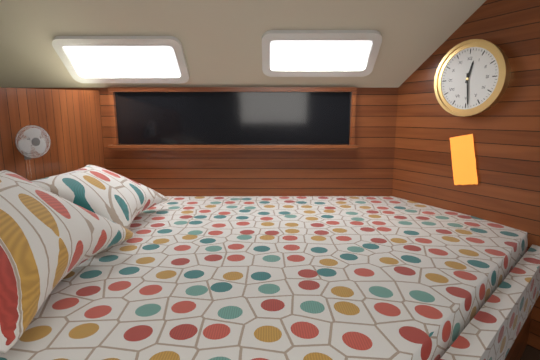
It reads {"hour": 12, "minute": 29}
